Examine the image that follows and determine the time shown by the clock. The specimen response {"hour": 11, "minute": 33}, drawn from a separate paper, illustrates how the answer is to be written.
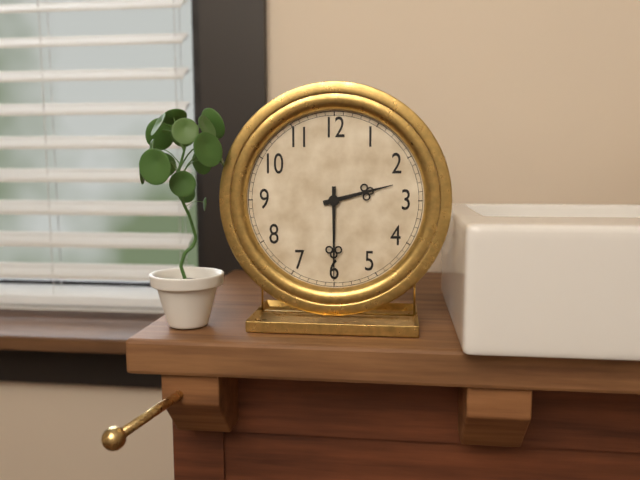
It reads {"hour": 2, "minute": 30}
